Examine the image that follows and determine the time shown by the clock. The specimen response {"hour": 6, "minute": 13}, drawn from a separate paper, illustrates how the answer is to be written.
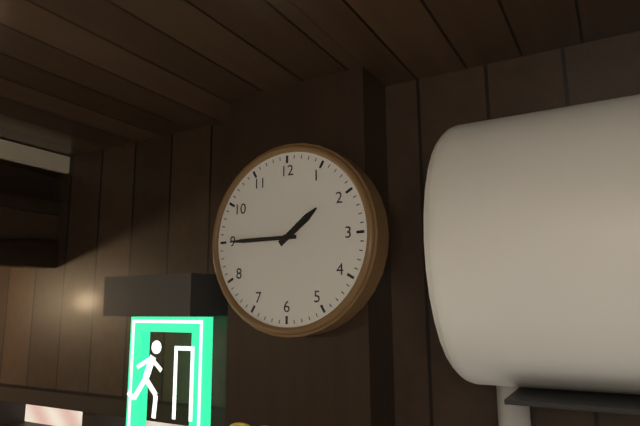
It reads {"hour": 1, "minute": 45}
